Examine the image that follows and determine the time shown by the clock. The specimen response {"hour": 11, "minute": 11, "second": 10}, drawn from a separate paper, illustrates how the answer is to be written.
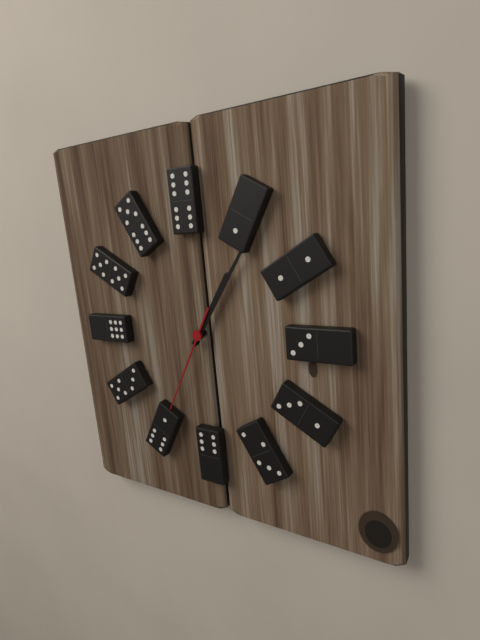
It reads {"hour": 1, "minute": 6, "second": 35}
